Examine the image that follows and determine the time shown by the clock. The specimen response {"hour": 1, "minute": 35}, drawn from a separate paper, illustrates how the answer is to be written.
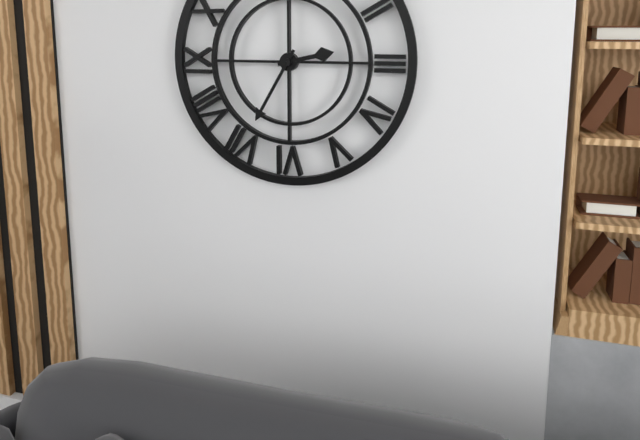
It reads {"hour": 2, "minute": 35}
